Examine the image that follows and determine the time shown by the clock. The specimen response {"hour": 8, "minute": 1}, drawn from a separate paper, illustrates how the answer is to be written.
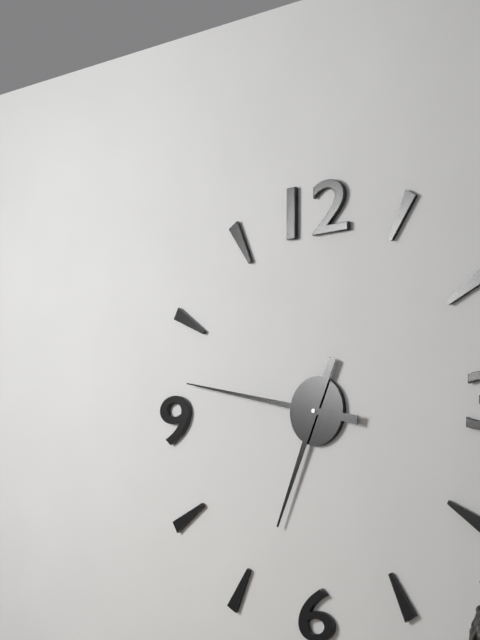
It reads {"hour": 6, "minute": 47}
